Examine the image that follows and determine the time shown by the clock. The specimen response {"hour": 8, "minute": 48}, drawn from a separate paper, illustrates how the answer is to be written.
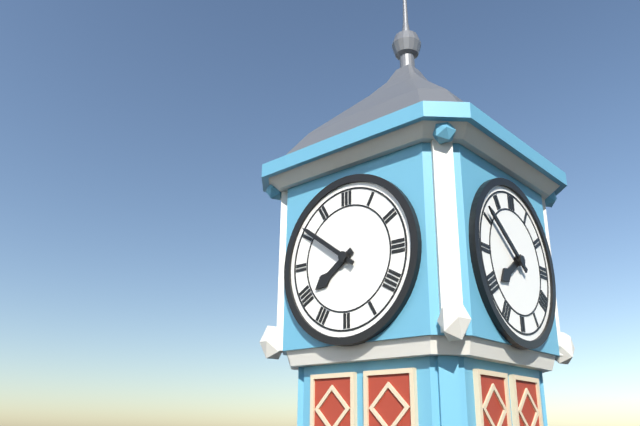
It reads {"hour": 7, "minute": 51}
